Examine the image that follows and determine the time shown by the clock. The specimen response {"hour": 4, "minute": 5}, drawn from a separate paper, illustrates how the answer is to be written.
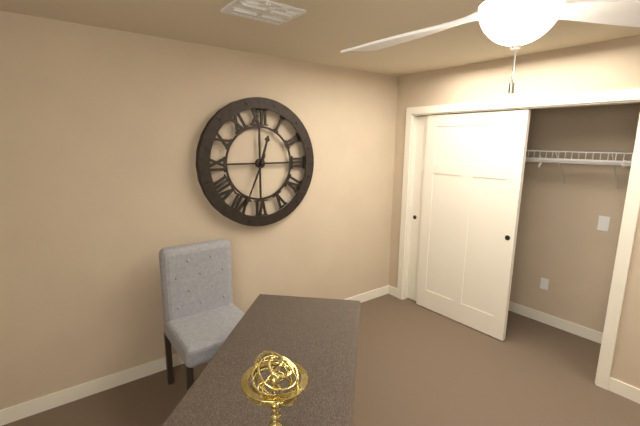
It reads {"hour": 12, "minute": 34}
